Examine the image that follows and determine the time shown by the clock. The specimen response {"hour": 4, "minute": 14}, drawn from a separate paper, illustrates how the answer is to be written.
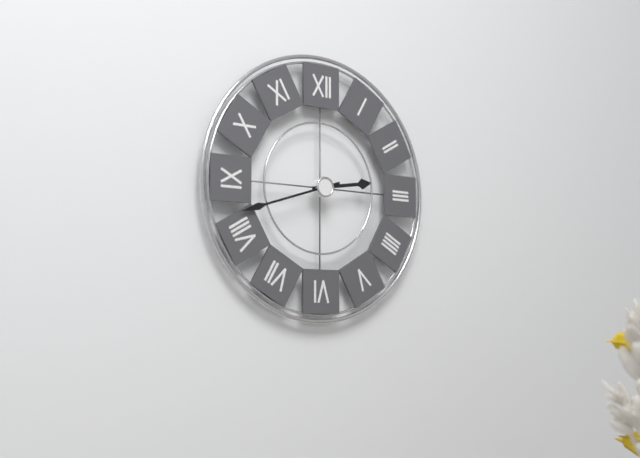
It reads {"hour": 2, "minute": 42}
